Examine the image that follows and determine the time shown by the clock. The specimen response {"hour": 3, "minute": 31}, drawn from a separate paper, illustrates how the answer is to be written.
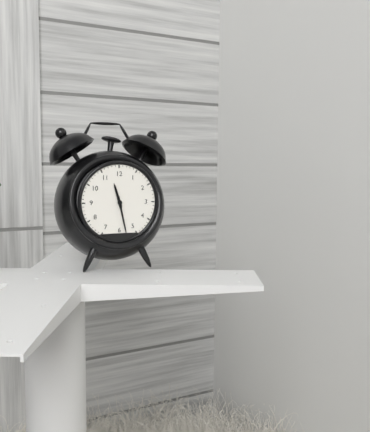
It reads {"hour": 11, "minute": 28}
